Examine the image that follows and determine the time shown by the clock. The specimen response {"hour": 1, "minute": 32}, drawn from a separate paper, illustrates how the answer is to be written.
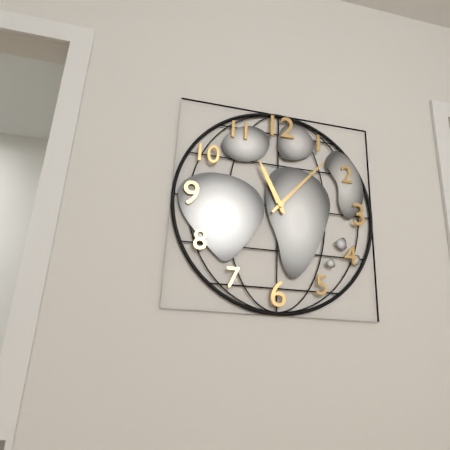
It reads {"hour": 11, "minute": 7}
